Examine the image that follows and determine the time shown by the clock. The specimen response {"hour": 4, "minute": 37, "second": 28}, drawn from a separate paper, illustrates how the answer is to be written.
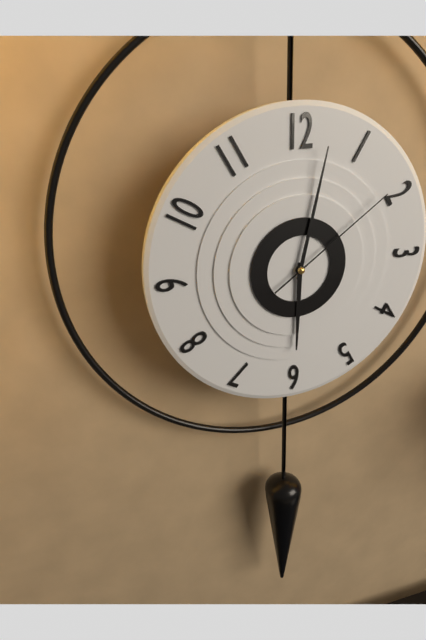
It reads {"hour": 6, "minute": 2, "second": 9}
